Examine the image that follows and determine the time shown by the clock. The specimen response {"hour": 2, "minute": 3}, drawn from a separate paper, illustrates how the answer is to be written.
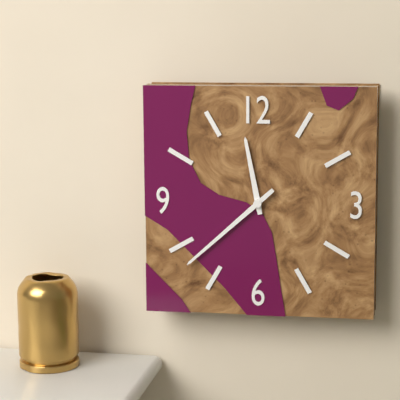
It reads {"hour": 11, "minute": 38}
